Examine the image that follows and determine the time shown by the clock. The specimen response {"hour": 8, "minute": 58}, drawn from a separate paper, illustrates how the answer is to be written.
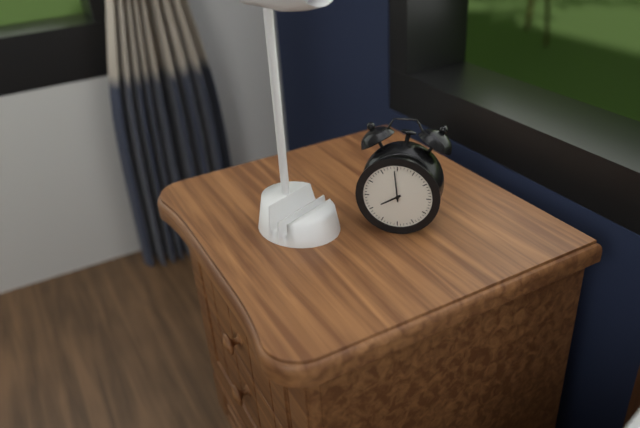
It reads {"hour": 7, "minute": 59}
